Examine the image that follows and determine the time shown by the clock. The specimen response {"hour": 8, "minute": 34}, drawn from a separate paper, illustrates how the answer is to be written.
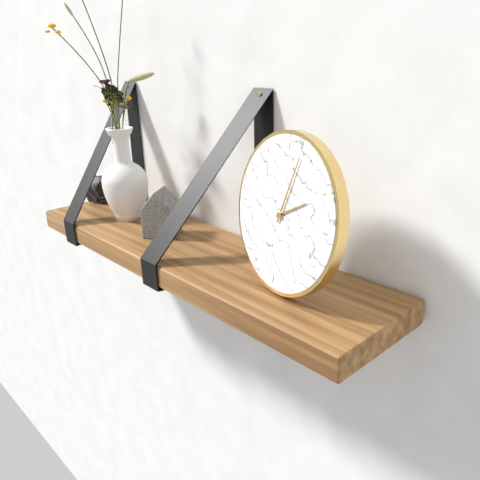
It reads {"hour": 2, "minute": 3}
